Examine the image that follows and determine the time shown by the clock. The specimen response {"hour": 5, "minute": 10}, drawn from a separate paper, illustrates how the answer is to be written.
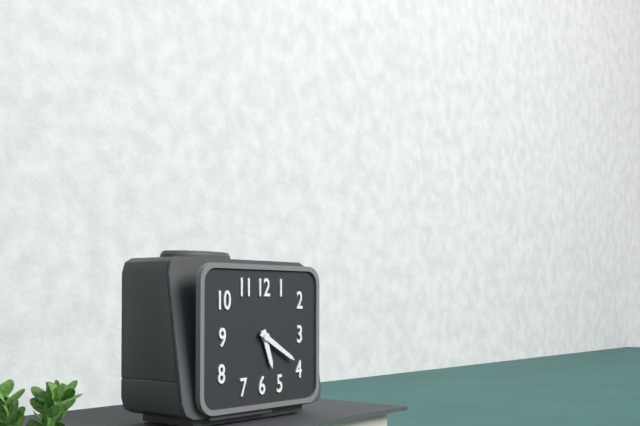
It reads {"hour": 5, "minute": 20}
